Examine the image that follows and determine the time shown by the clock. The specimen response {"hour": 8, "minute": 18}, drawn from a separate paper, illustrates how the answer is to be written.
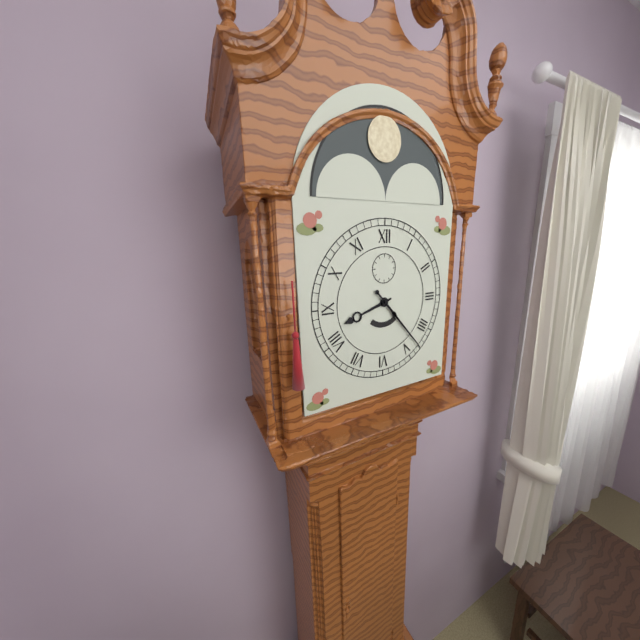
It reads {"hour": 8, "minute": 23}
